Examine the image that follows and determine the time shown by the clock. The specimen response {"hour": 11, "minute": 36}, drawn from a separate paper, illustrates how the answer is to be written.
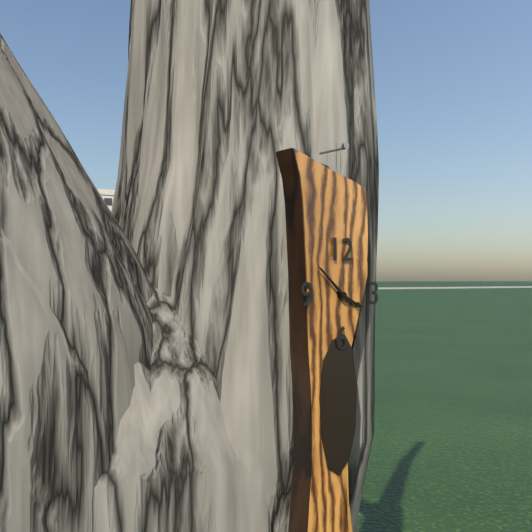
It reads {"hour": 3, "minute": 52}
